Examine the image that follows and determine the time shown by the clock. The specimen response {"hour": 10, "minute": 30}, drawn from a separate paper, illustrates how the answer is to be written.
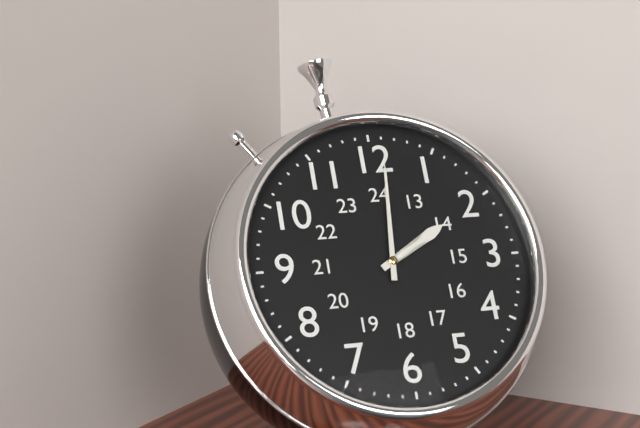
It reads {"hour": 2, "minute": 1}
